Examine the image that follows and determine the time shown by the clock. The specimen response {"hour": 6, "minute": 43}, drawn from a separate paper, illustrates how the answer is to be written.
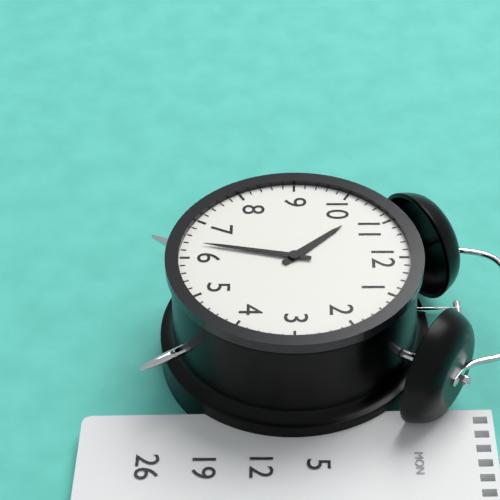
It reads {"hour": 10, "minute": 32}
